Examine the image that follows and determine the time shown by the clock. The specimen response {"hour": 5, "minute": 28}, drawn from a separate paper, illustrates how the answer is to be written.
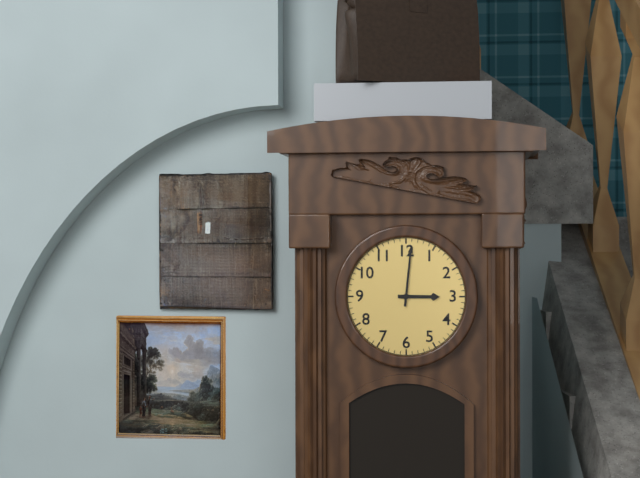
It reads {"hour": 3, "minute": 1}
